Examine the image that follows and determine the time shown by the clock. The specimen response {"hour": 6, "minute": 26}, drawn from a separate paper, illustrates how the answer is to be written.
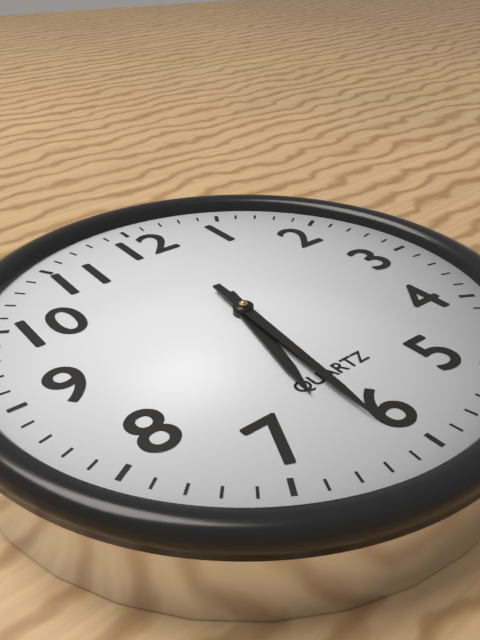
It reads {"hour": 6, "minute": 31}
